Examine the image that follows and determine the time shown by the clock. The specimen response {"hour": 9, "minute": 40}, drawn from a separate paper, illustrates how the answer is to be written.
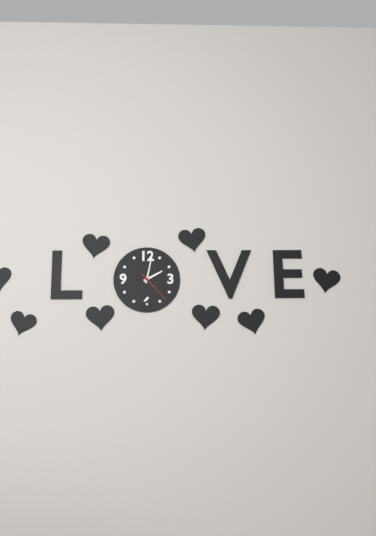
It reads {"hour": 2, "minute": 2}
